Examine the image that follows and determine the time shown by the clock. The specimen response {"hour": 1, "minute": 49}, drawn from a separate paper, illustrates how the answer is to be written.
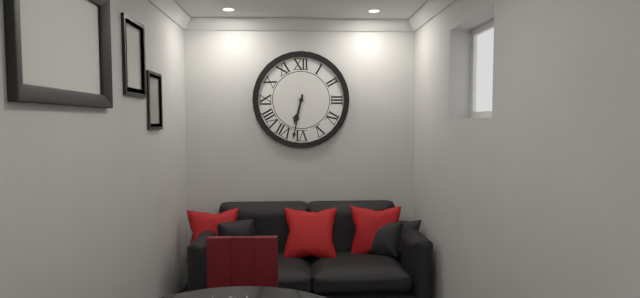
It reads {"hour": 6, "minute": 32}
